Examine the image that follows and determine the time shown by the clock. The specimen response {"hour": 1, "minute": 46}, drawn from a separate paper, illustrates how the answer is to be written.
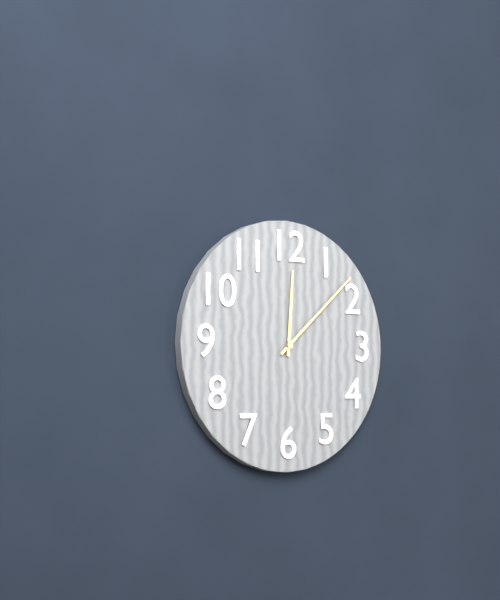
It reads {"hour": 12, "minute": 8}
